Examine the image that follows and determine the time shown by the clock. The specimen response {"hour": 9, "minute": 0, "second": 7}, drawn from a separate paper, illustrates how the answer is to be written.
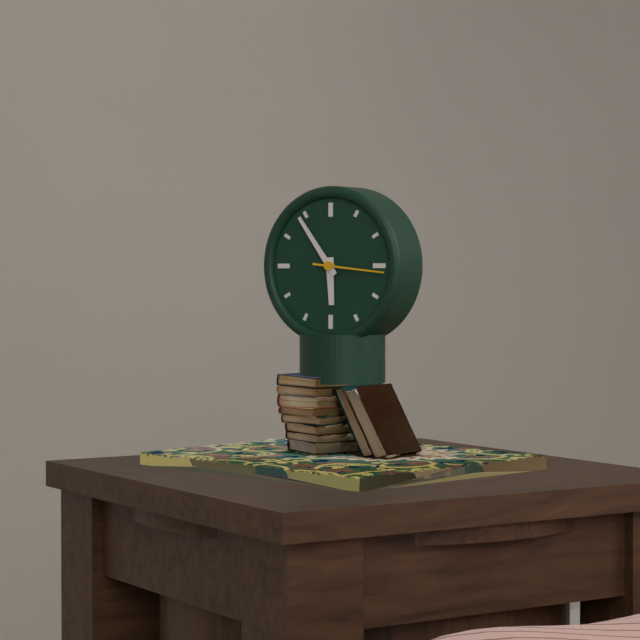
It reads {"hour": 5, "minute": 54, "second": 16}
